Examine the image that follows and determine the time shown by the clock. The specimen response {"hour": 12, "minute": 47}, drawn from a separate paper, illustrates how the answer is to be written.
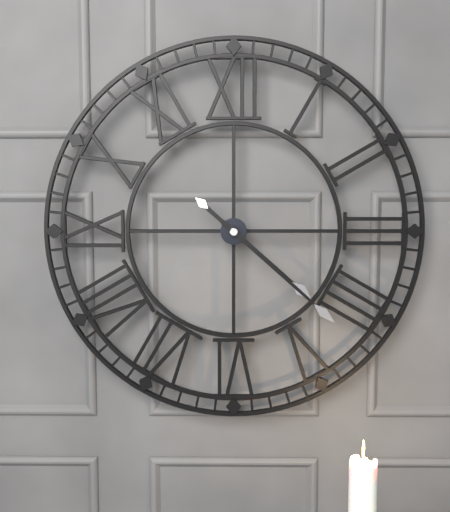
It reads {"hour": 4, "minute": 22}
